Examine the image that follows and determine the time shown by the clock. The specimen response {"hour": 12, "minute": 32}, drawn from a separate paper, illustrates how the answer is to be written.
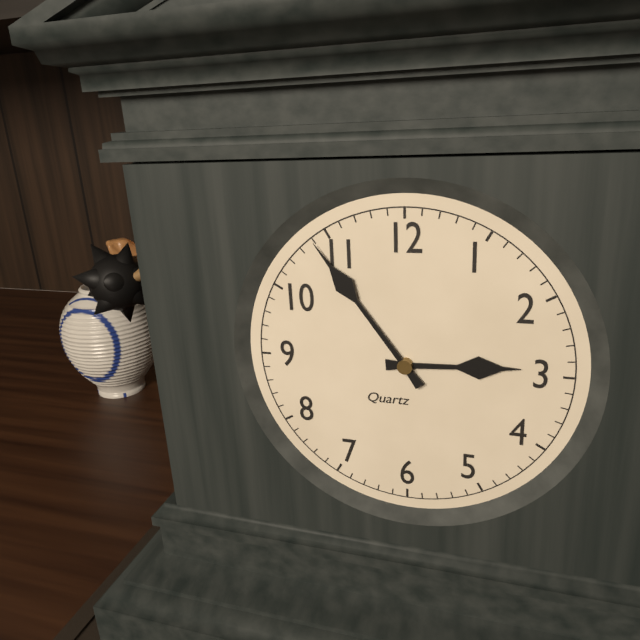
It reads {"hour": 2, "minute": 54}
